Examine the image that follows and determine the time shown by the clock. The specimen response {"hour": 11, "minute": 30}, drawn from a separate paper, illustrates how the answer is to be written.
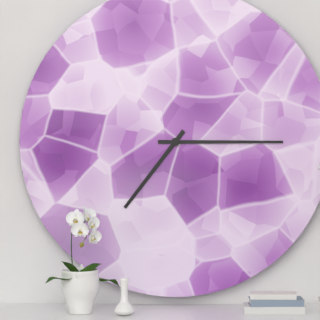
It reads {"hour": 7, "minute": 15}
